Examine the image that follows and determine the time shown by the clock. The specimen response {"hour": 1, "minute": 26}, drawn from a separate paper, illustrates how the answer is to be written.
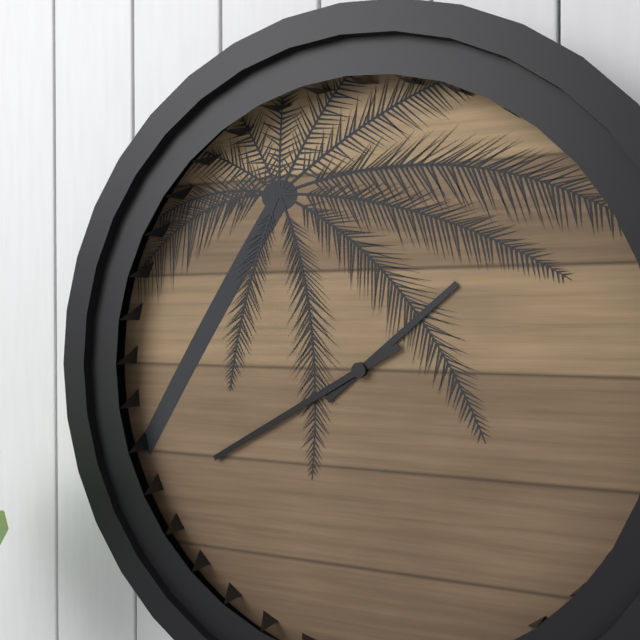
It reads {"hour": 1, "minute": 40}
